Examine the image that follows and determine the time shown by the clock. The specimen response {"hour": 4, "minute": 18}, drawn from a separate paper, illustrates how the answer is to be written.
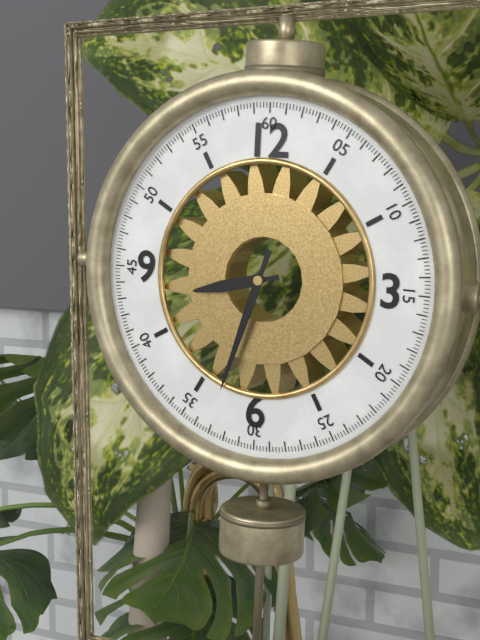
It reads {"hour": 8, "minute": 33}
